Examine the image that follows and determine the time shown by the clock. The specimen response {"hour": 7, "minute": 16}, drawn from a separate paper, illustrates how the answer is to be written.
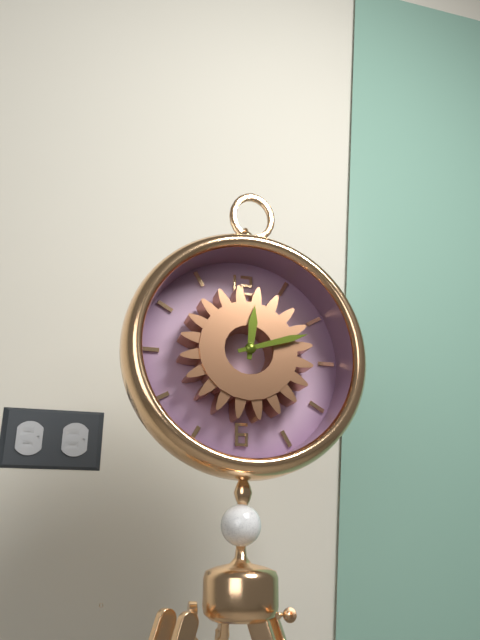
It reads {"hour": 12, "minute": 12}
